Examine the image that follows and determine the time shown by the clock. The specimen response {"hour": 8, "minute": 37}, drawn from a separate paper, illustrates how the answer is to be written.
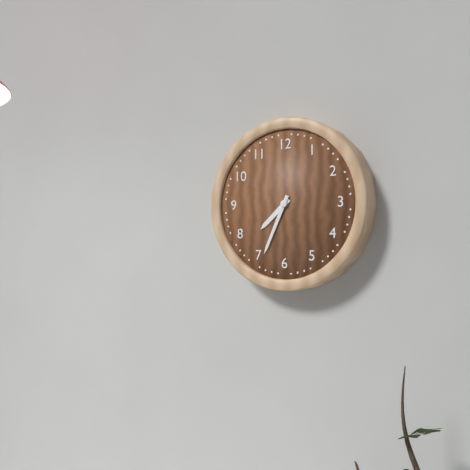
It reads {"hour": 7, "minute": 34}
